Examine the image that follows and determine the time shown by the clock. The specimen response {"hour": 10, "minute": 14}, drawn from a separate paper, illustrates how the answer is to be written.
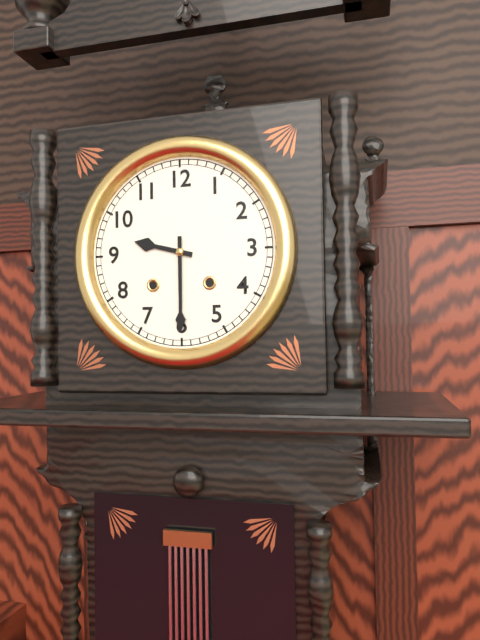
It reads {"hour": 9, "minute": 30}
